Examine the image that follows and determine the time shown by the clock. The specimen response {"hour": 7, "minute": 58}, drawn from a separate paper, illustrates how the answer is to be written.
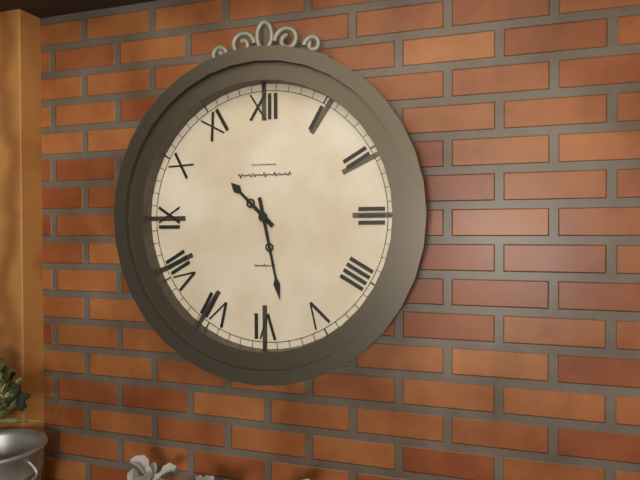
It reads {"hour": 10, "minute": 28}
